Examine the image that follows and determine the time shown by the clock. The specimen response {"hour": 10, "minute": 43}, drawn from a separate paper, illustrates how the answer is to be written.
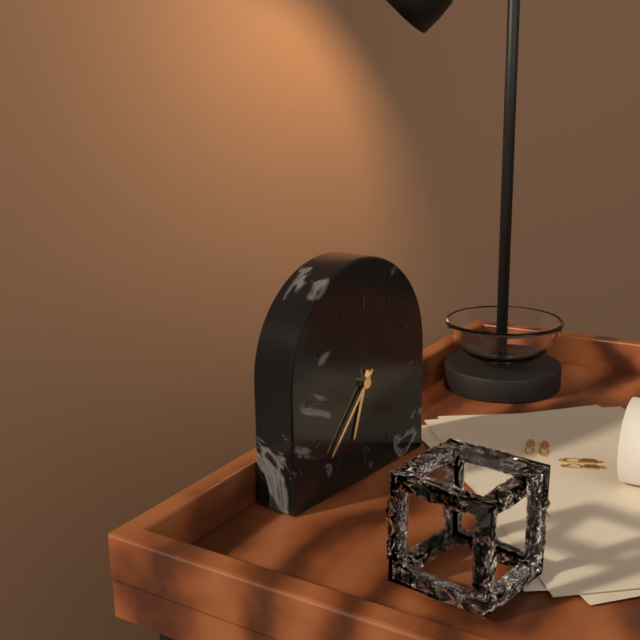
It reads {"hour": 6, "minute": 37}
